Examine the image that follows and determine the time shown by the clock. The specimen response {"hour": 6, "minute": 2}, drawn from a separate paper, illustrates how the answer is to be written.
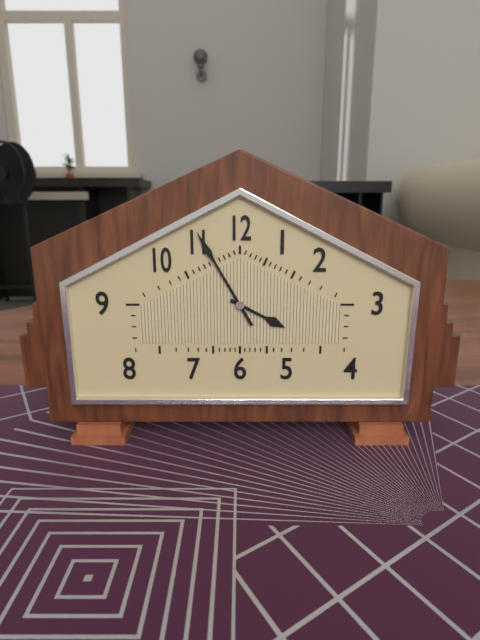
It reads {"hour": 3, "minute": 55}
